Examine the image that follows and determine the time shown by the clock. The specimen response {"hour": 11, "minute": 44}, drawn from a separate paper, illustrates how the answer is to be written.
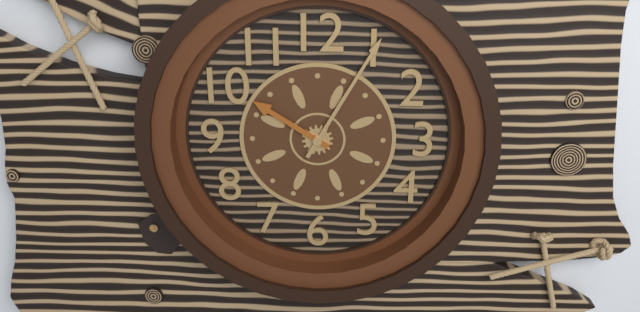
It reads {"hour": 10, "minute": 5}
